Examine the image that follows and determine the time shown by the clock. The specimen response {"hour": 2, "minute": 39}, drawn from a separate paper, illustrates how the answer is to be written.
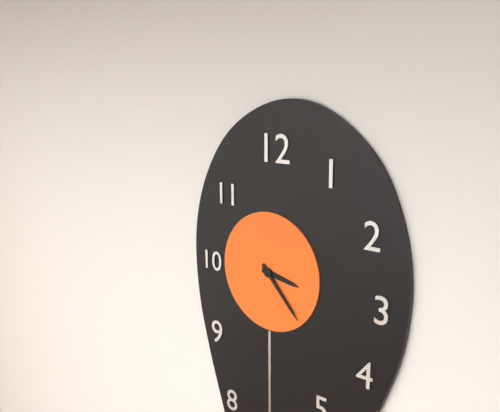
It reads {"hour": 3, "minute": 23}
